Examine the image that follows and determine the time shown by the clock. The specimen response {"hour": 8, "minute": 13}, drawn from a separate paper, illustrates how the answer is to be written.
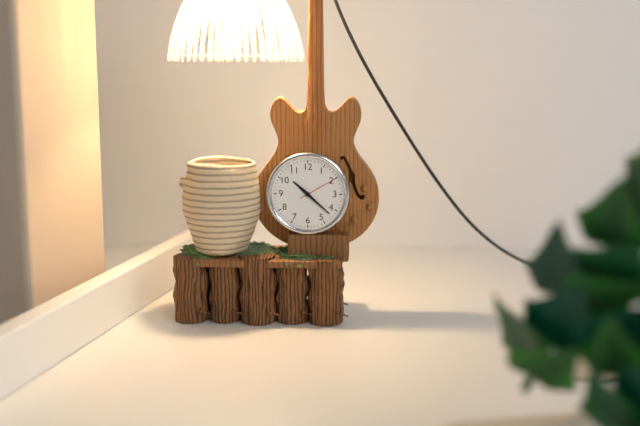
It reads {"hour": 10, "minute": 22}
